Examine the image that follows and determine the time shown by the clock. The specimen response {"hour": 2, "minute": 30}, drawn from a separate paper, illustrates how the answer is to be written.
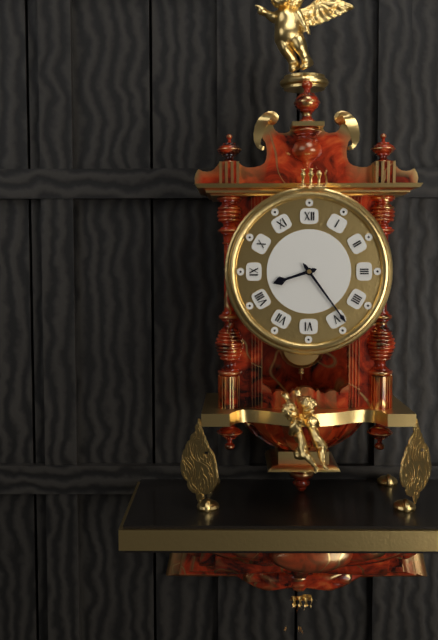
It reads {"hour": 8, "minute": 24}
